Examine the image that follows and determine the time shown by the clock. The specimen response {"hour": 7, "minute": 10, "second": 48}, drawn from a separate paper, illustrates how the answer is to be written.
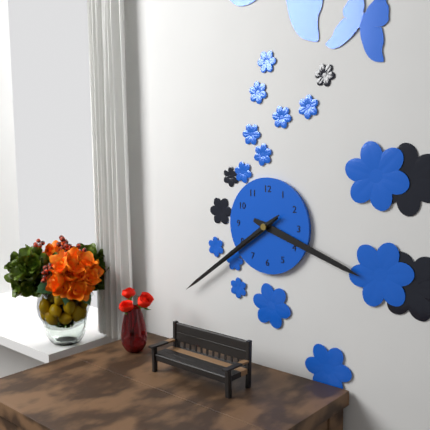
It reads {"hour": 3, "minute": 39, "second": 39}
